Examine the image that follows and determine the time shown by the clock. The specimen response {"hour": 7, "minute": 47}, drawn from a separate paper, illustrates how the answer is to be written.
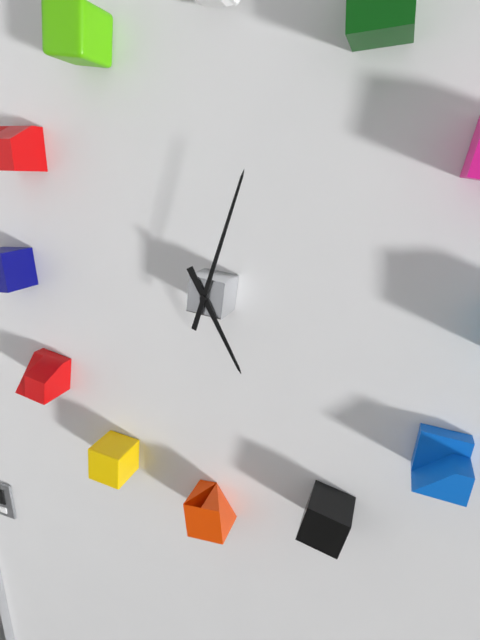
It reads {"hour": 5, "minute": 3}
